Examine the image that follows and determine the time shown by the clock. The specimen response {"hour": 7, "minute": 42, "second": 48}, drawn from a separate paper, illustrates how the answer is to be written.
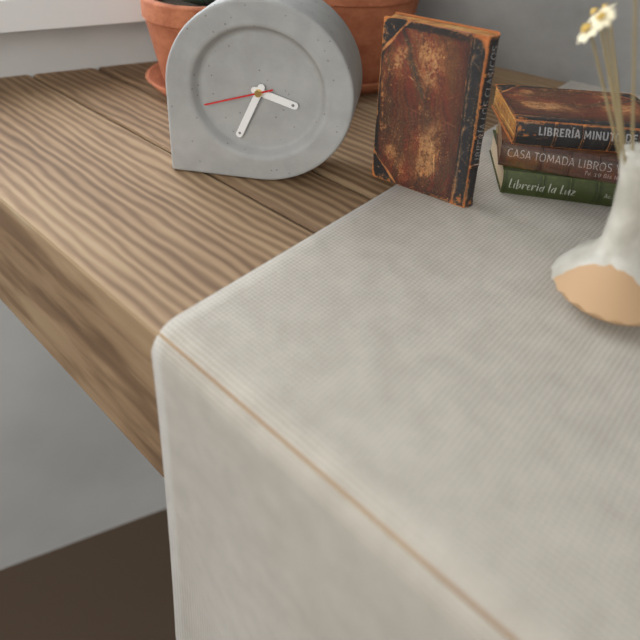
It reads {"hour": 3, "minute": 34, "second": 42}
